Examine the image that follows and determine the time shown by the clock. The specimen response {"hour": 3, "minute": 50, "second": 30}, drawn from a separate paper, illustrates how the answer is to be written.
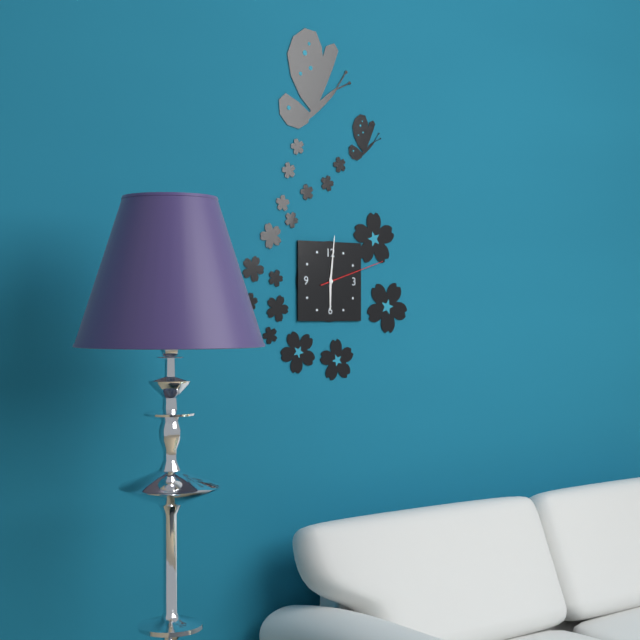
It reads {"hour": 6, "minute": 1, "second": 12}
